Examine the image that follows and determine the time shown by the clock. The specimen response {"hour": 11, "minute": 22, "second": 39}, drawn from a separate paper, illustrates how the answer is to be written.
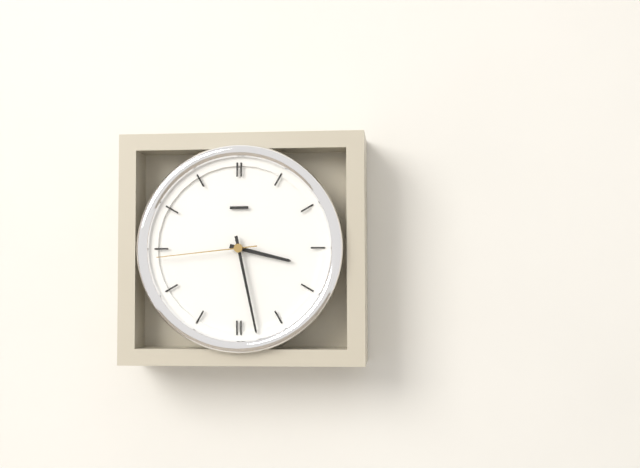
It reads {"hour": 3, "minute": 28, "second": 44}
